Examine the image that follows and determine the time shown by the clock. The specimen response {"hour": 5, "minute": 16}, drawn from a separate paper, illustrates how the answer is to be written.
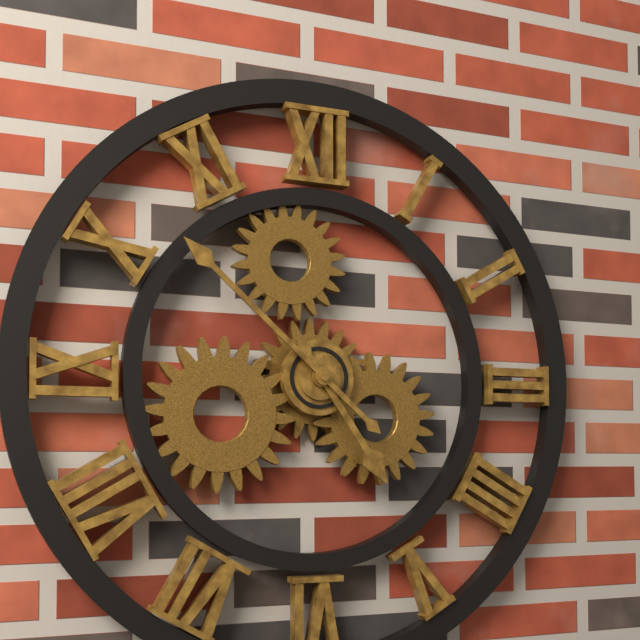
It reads {"hour": 4, "minute": 52}
